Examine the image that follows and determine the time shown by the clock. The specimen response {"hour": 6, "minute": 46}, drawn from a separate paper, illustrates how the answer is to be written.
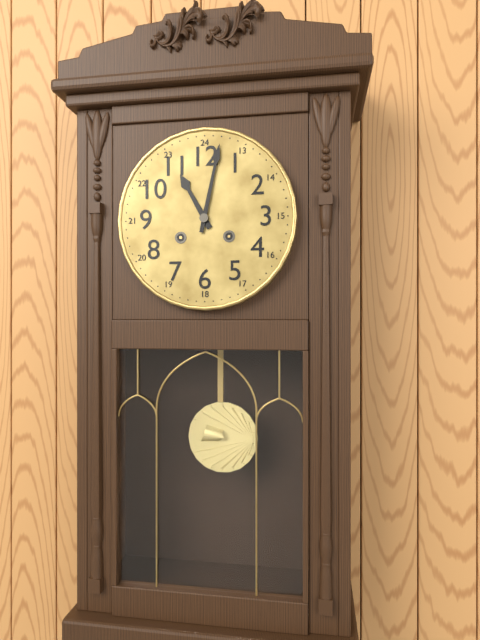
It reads {"hour": 11, "minute": 2}
